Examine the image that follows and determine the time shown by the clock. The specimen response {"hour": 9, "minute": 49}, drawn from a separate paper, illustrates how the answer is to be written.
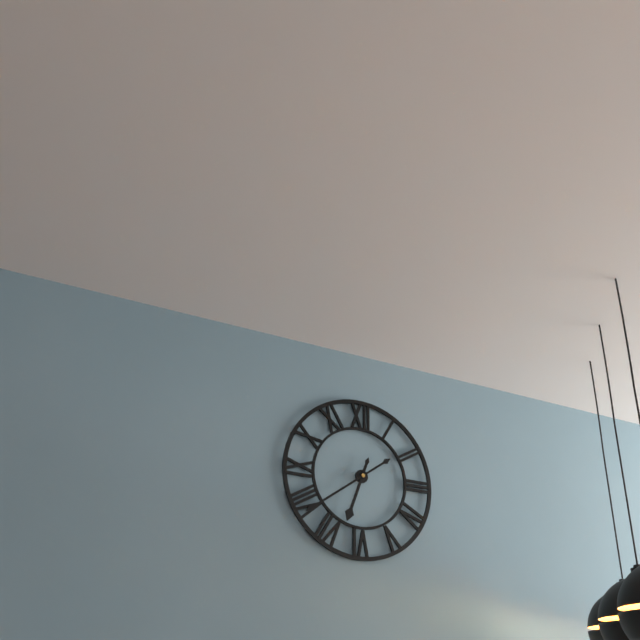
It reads {"hour": 6, "minute": 39}
